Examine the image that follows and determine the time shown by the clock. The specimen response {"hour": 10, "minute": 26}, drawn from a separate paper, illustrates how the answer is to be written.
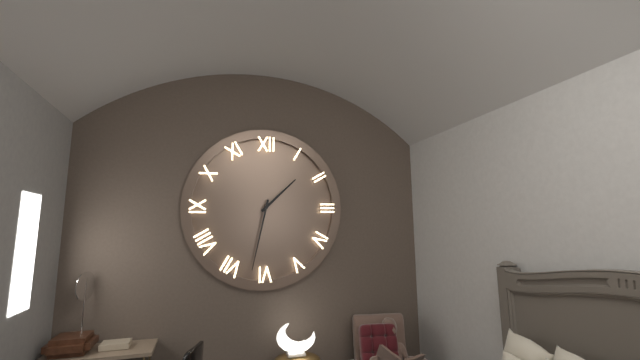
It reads {"hour": 1, "minute": 32}
